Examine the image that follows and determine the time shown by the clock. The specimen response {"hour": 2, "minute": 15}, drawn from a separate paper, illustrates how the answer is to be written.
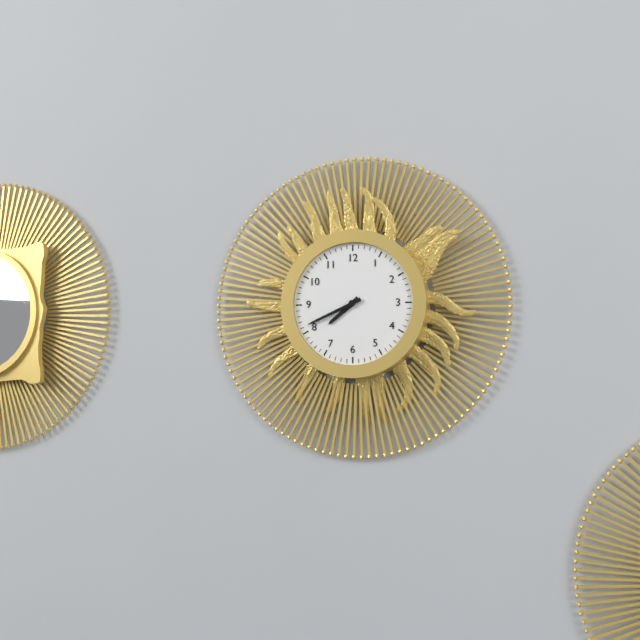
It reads {"hour": 7, "minute": 41}
